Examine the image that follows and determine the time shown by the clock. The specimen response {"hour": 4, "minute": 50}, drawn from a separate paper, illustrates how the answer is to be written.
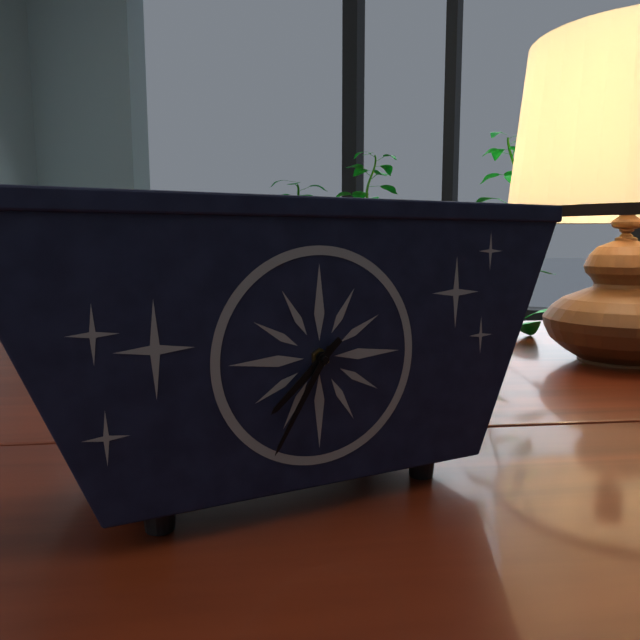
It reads {"hour": 7, "minute": 35}
